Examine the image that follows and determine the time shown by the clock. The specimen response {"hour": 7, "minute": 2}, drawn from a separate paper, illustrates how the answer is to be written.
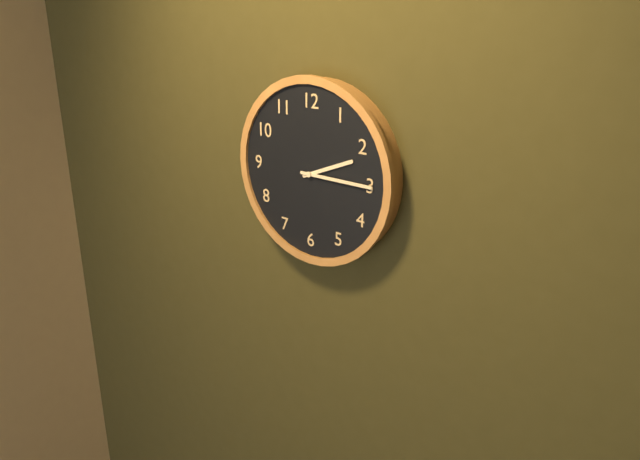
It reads {"hour": 2, "minute": 15}
